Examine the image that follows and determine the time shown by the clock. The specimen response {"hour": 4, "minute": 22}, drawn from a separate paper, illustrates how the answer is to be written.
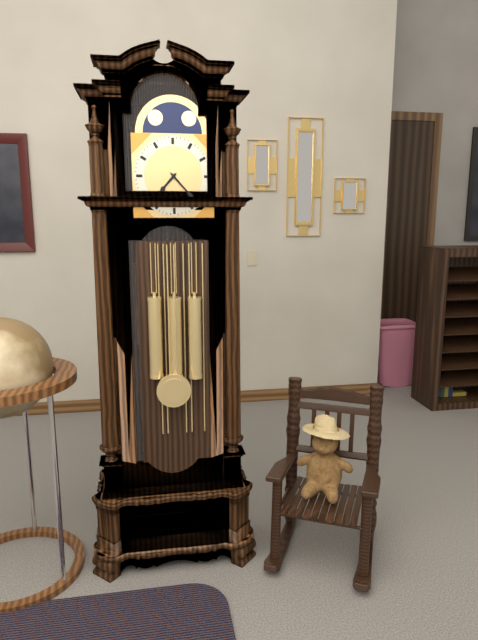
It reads {"hour": 7, "minute": 23}
